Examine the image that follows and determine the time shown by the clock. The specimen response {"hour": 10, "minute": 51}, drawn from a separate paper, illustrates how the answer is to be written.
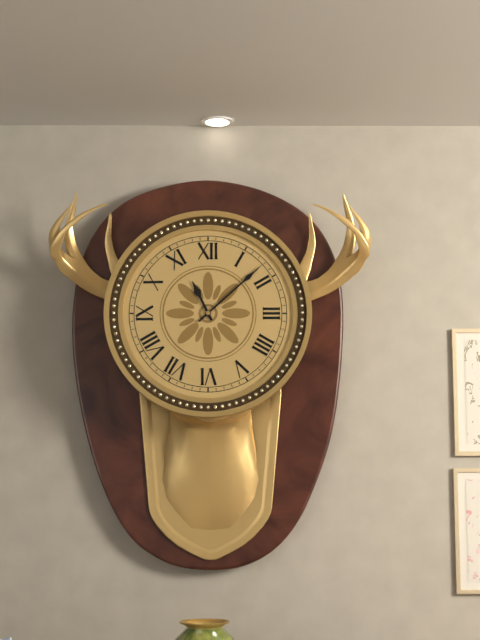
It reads {"hour": 11, "minute": 8}
